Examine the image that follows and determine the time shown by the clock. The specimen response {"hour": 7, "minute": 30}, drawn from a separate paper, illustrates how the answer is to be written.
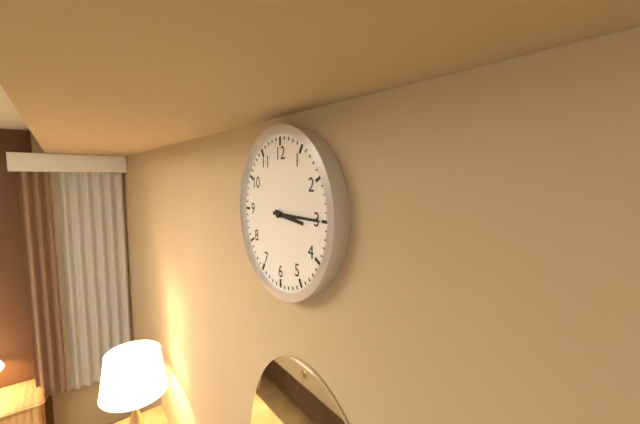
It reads {"hour": 3, "minute": 15}
